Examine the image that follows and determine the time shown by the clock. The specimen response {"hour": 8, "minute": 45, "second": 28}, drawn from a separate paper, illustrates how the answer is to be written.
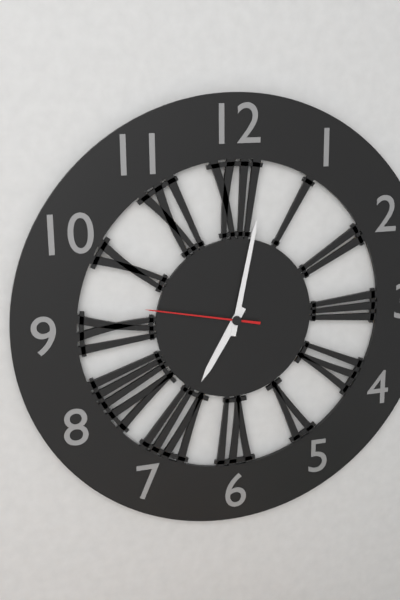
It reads {"hour": 7, "minute": 2, "second": 47}
